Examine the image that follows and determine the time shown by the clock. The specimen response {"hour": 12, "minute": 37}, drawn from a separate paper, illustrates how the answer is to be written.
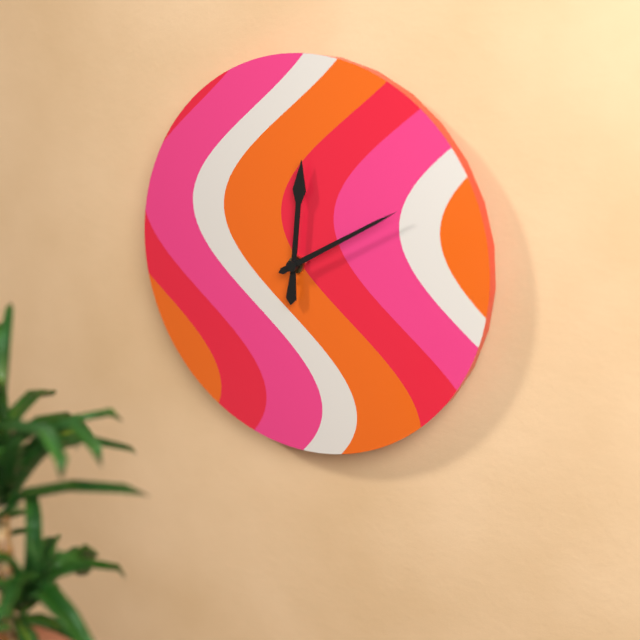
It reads {"hour": 12, "minute": 10}
